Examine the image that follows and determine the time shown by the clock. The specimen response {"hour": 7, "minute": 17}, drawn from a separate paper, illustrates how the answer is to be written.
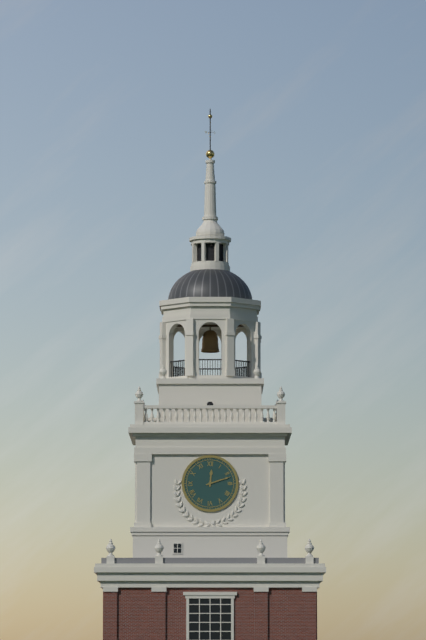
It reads {"hour": 12, "minute": 12}
